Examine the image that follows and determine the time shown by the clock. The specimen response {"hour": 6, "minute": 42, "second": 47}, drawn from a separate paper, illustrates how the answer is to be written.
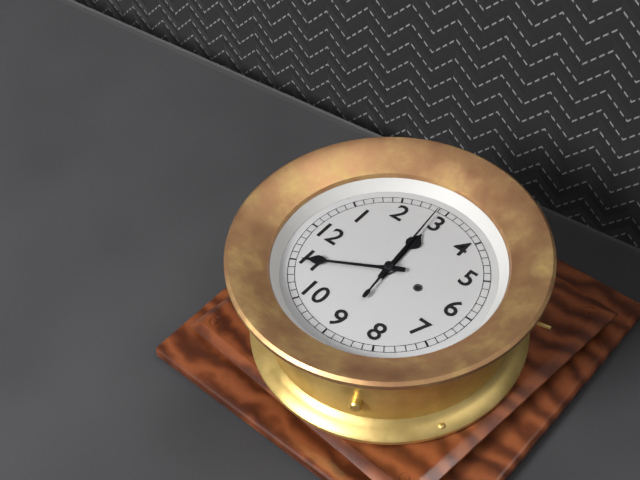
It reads {"hour": 2, "minute": 55, "second": 14}
